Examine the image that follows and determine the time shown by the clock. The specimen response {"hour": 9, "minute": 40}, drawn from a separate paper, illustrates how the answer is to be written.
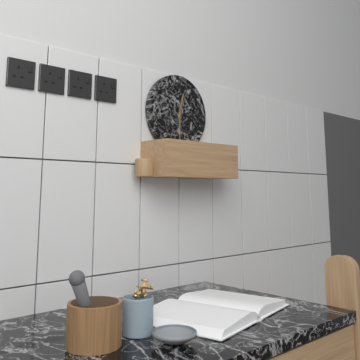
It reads {"hour": 12, "minute": 30}
